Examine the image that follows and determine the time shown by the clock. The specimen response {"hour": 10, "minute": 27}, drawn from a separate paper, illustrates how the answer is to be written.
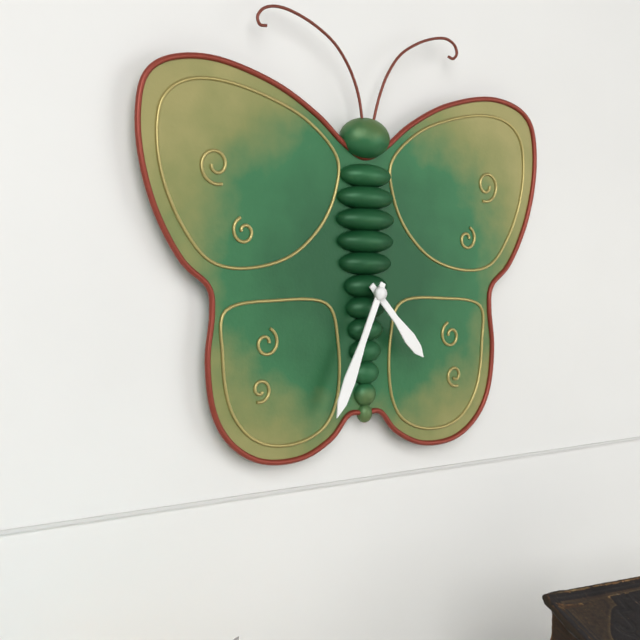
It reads {"hour": 4, "minute": 34}
